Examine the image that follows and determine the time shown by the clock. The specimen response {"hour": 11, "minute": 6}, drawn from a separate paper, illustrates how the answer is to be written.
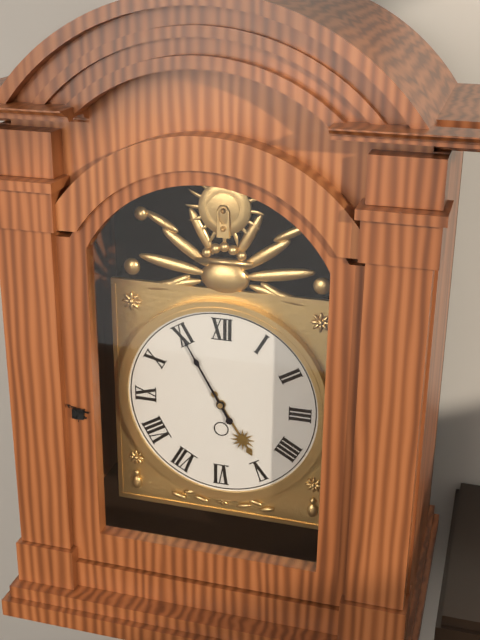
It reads {"hour": 4, "minute": 55}
